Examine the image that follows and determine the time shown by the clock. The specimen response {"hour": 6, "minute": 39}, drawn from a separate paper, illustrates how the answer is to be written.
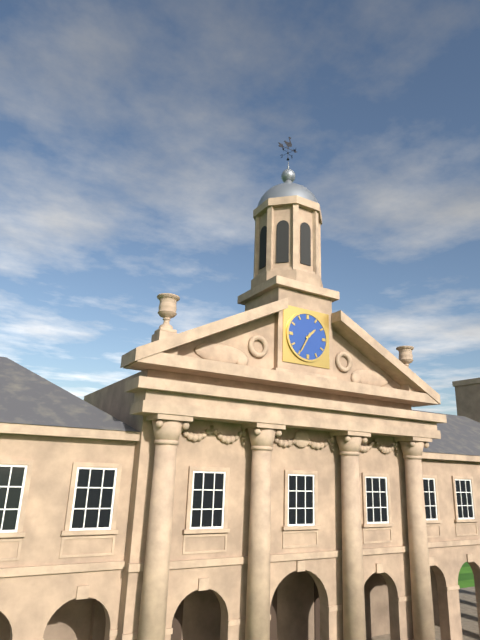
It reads {"hour": 1, "minute": 35}
